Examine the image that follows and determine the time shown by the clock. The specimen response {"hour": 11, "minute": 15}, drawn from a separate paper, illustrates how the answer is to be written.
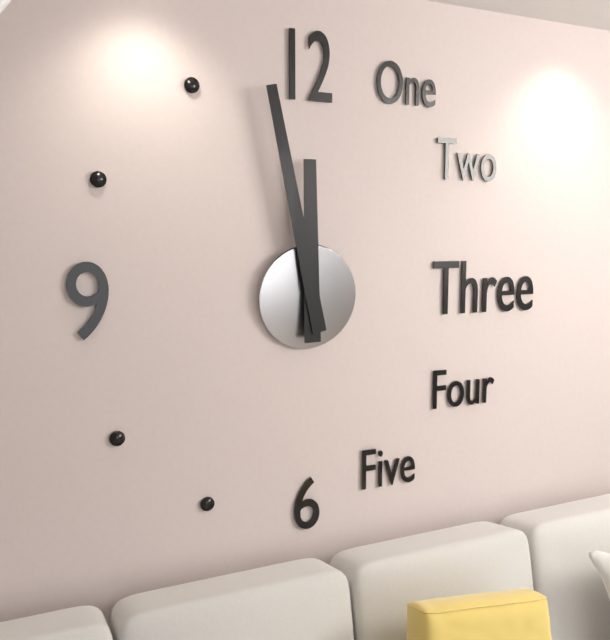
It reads {"hour": 11, "minute": 58}
